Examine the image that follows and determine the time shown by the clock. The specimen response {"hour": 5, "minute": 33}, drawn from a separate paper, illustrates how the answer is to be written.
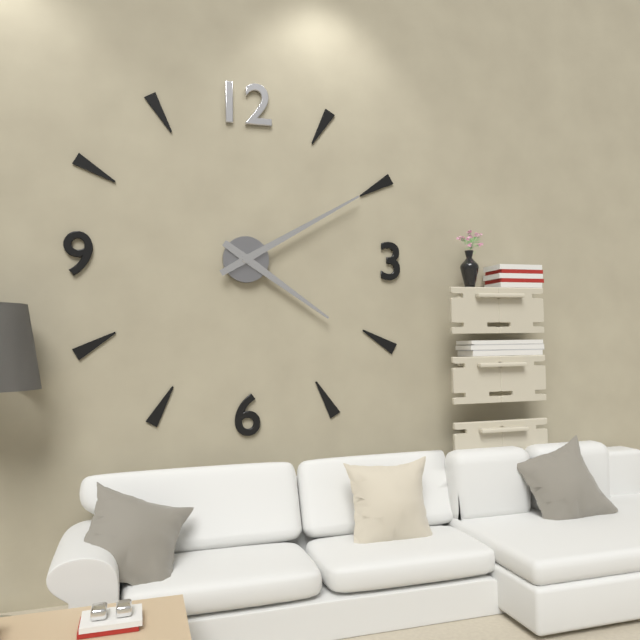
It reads {"hour": 4, "minute": 10}
